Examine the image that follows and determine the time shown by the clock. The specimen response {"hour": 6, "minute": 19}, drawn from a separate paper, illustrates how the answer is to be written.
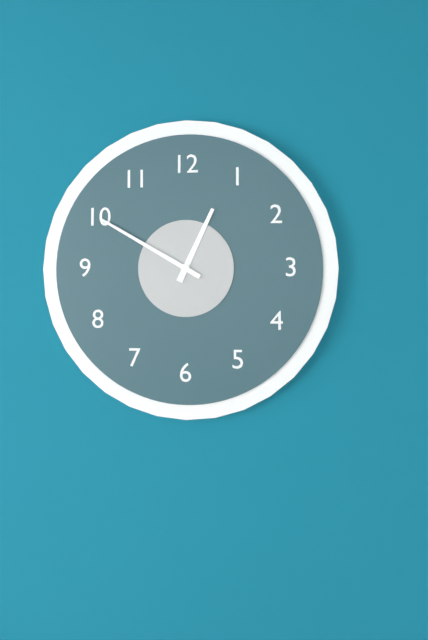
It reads {"hour": 12, "minute": 50}
